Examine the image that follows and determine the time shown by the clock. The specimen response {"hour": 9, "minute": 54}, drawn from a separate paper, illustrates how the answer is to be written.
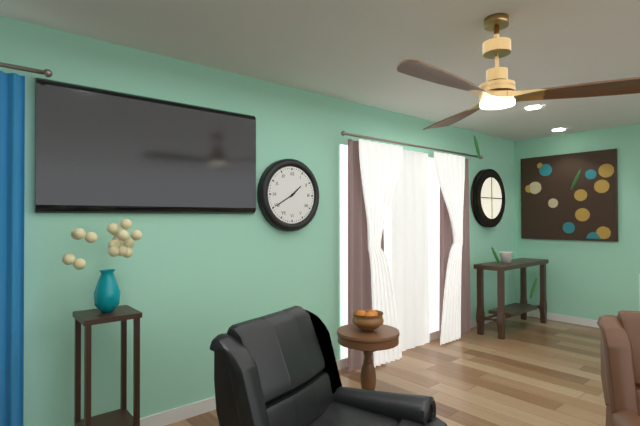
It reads {"hour": 1, "minute": 40}
